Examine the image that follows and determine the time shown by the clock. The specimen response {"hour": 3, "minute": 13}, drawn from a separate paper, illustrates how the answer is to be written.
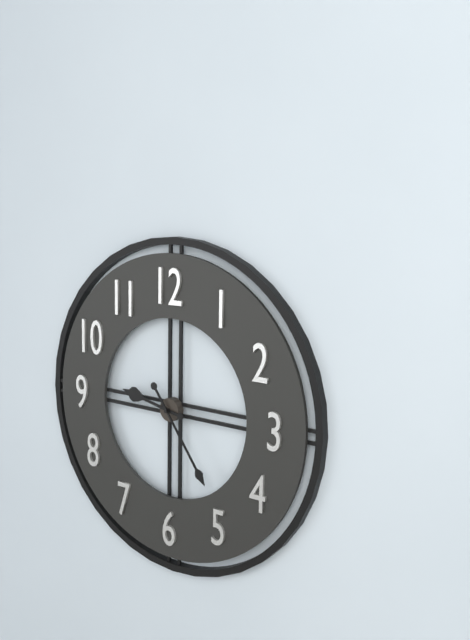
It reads {"hour": 9, "minute": 24}
